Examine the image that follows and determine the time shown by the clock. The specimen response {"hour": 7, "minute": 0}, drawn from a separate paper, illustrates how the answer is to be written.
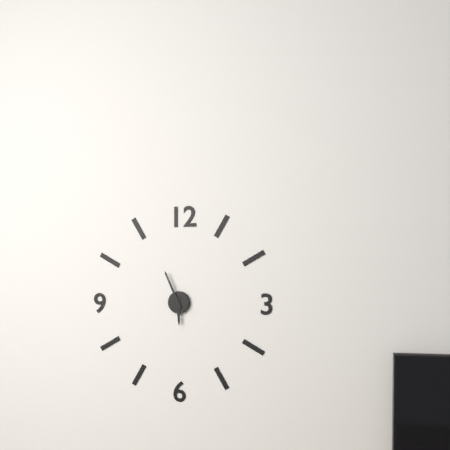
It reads {"hour": 5, "minute": 56}
